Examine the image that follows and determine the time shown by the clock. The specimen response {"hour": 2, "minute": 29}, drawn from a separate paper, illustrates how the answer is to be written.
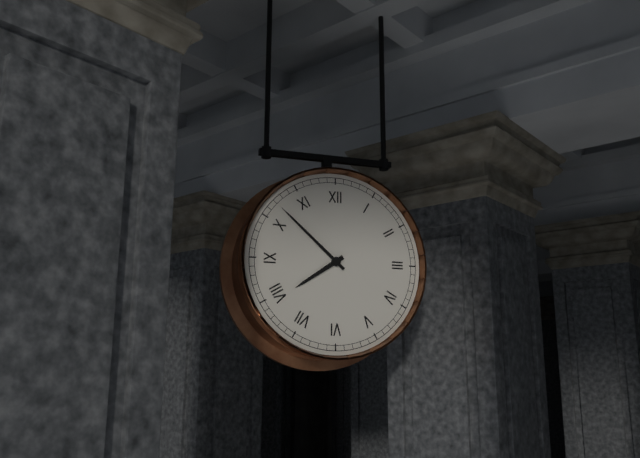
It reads {"hour": 7, "minute": 52}
